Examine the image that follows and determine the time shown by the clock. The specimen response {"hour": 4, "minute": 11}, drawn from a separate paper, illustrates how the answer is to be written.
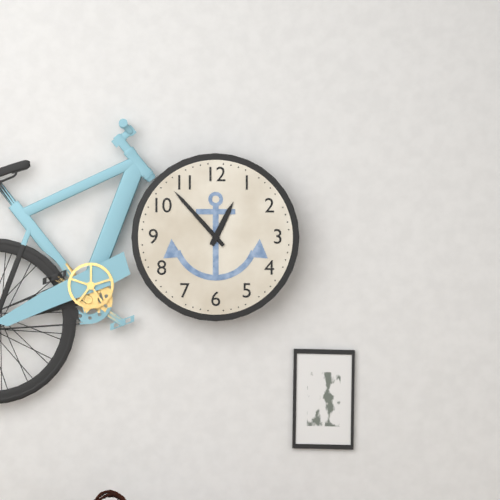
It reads {"hour": 12, "minute": 53}
